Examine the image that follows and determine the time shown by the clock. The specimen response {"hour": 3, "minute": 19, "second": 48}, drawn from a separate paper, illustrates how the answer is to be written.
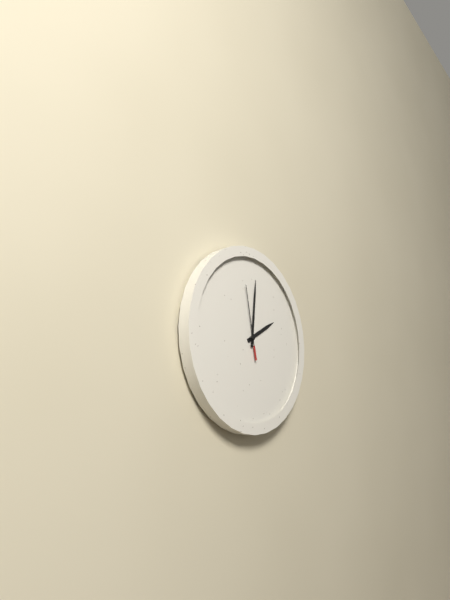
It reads {"hour": 2, "minute": 1, "second": 58}
